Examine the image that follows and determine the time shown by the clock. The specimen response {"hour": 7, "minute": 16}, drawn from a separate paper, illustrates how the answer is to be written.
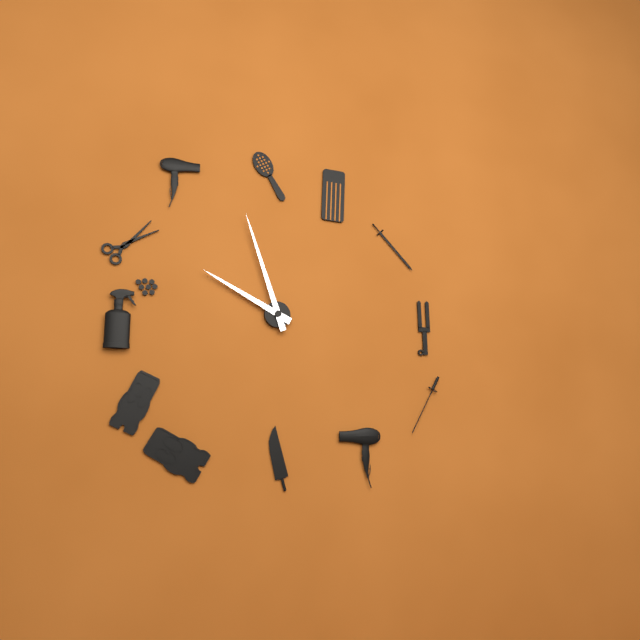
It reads {"hour": 9, "minute": 57}
